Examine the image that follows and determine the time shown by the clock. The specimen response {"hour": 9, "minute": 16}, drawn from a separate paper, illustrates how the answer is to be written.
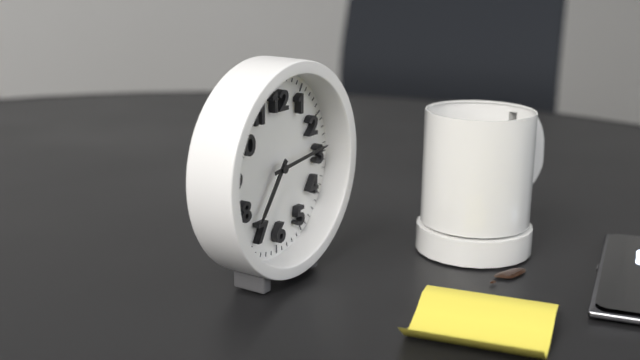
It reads {"hour": 7, "minute": 14}
